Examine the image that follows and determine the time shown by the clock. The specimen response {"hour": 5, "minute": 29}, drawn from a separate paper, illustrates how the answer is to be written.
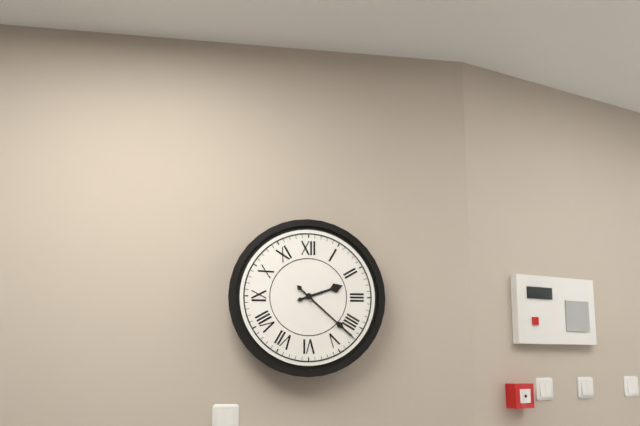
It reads {"hour": 2, "minute": 22}
